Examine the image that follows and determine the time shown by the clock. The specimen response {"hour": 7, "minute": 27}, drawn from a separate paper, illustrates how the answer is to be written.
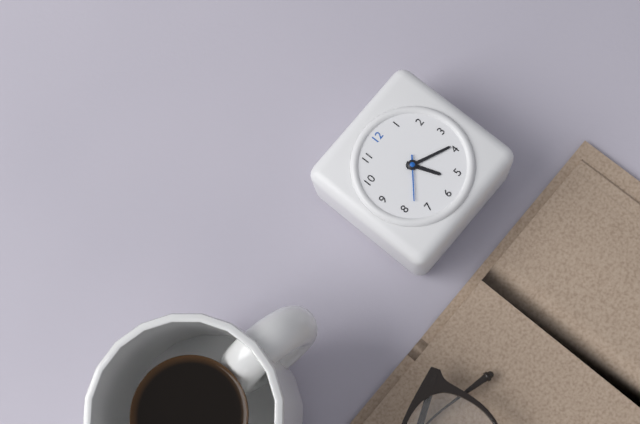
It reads {"hour": 5, "minute": 19}
